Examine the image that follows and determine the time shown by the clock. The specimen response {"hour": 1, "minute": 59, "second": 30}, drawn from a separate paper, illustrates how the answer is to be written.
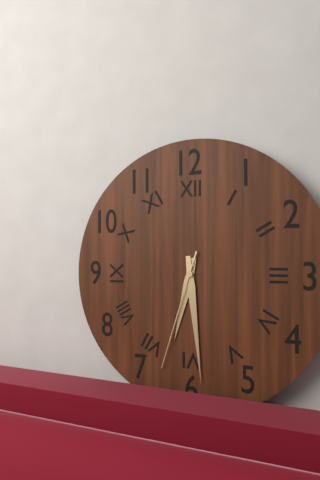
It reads {"hour": 6, "minute": 29, "second": 33}
